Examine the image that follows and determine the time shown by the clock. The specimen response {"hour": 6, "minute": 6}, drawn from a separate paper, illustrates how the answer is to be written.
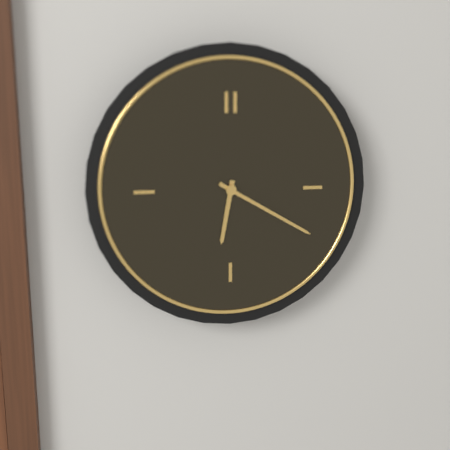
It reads {"hour": 6, "minute": 20}
